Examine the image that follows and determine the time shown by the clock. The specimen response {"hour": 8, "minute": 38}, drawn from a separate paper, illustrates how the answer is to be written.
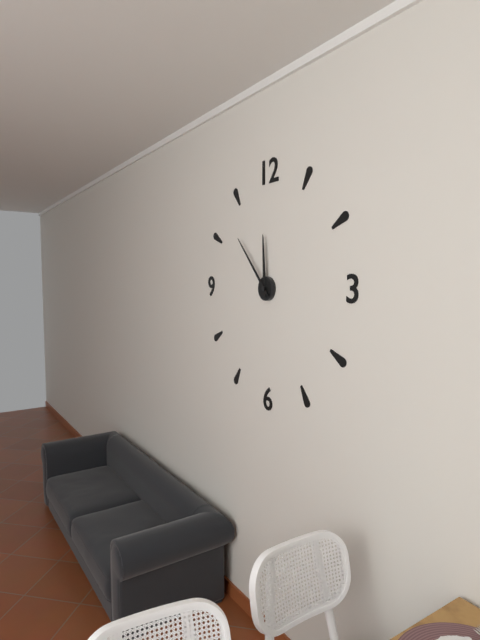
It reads {"hour": 11, "minute": 53}
